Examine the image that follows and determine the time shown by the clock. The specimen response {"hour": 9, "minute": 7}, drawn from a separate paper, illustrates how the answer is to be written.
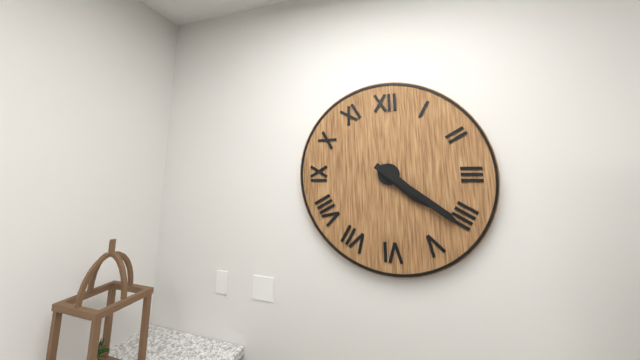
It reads {"hour": 4, "minute": 21}
